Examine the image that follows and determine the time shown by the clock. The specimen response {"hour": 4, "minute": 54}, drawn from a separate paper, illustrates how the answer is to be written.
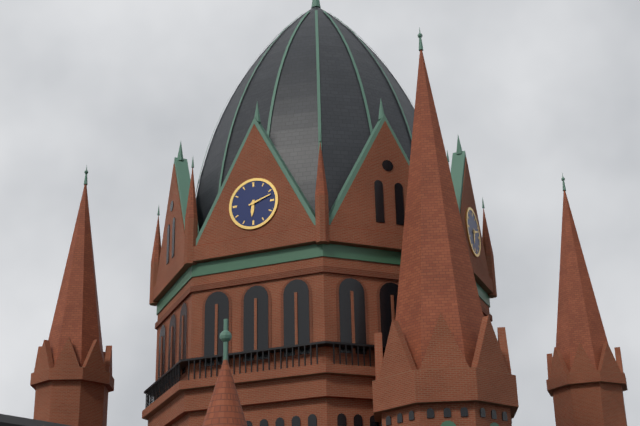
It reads {"hour": 6, "minute": 12}
